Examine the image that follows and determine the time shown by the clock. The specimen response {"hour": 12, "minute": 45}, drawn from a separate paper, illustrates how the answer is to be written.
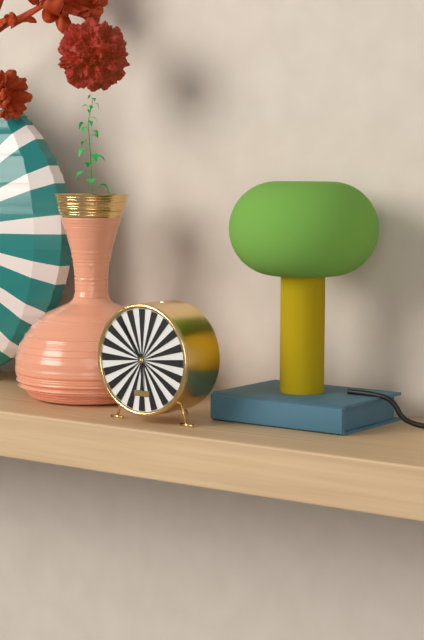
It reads {"hour": 5, "minute": 54}
